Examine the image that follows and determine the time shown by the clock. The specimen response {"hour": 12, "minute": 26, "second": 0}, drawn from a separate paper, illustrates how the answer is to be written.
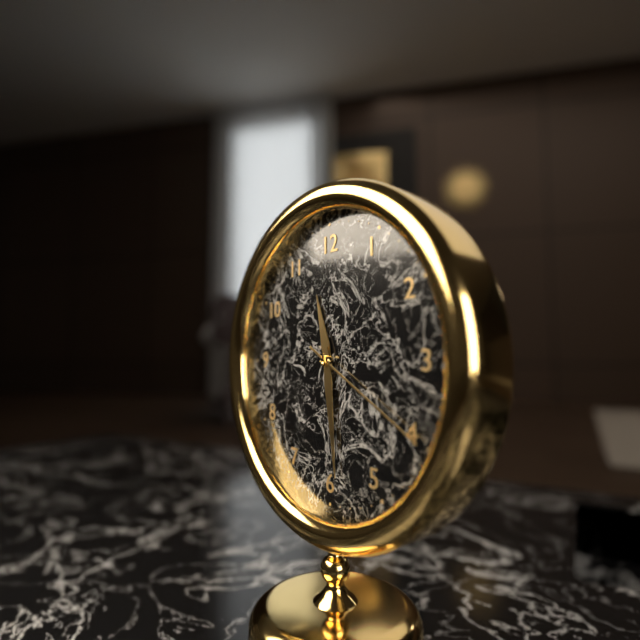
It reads {"hour": 11, "minute": 29, "second": 20}
